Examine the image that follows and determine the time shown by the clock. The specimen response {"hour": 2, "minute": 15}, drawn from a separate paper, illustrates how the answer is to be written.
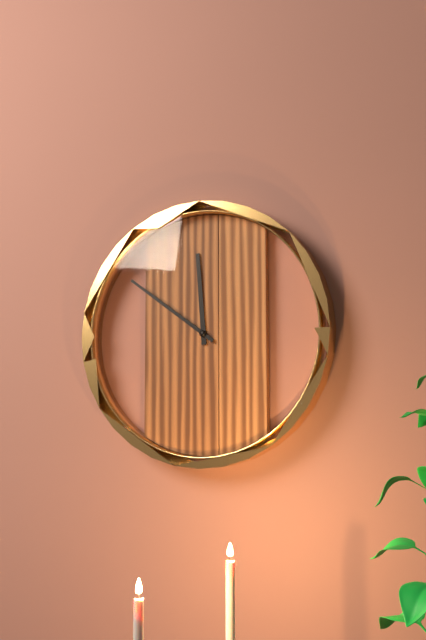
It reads {"hour": 11, "minute": 51}
